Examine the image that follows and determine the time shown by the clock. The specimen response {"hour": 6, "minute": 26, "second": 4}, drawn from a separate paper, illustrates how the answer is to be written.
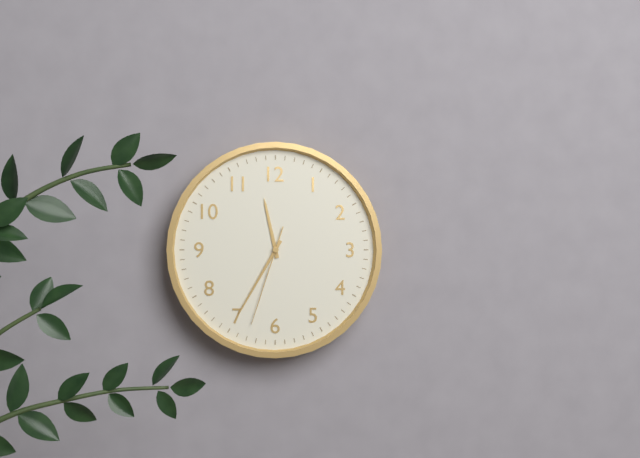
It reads {"hour": 11, "minute": 35, "second": 33}
